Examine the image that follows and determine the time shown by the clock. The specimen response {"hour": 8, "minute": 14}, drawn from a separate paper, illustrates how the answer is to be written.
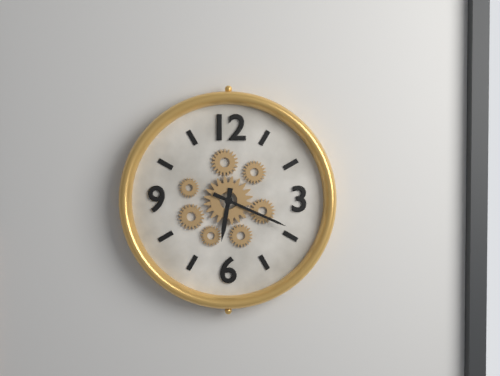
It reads {"hour": 6, "minute": 19}
